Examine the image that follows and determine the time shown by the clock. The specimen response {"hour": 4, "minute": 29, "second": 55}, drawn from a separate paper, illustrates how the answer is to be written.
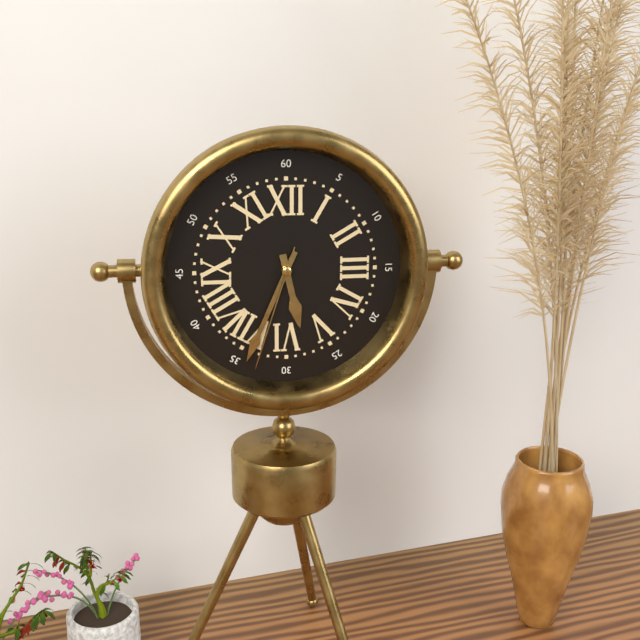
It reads {"hour": 5, "minute": 34, "second": 33}
